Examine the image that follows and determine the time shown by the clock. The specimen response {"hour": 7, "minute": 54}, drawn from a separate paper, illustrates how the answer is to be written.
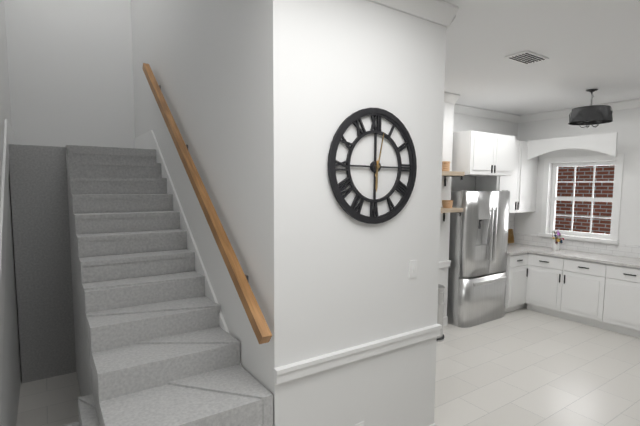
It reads {"hour": 6, "minute": 2}
